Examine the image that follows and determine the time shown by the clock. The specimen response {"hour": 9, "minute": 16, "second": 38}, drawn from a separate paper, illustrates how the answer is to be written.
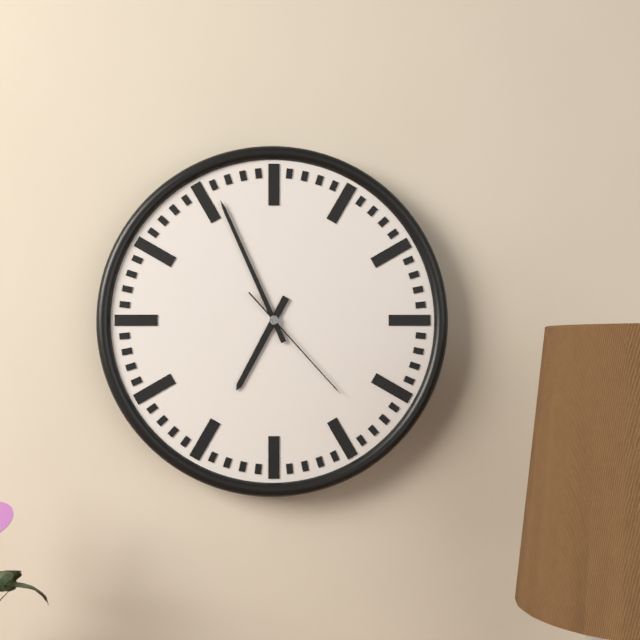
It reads {"hour": 6, "minute": 56, "second": 23}
